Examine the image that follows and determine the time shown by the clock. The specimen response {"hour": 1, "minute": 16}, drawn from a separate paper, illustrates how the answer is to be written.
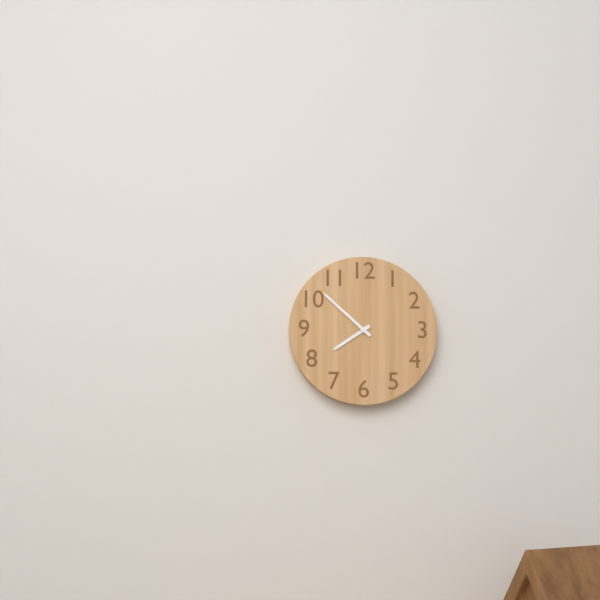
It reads {"hour": 7, "minute": 52}
